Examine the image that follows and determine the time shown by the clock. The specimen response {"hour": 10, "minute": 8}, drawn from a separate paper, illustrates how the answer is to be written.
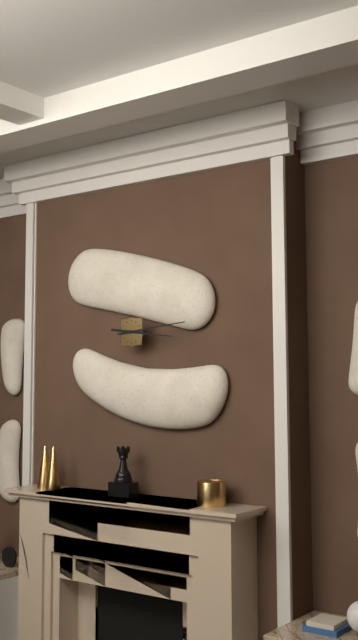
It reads {"hour": 3, "minute": 14}
